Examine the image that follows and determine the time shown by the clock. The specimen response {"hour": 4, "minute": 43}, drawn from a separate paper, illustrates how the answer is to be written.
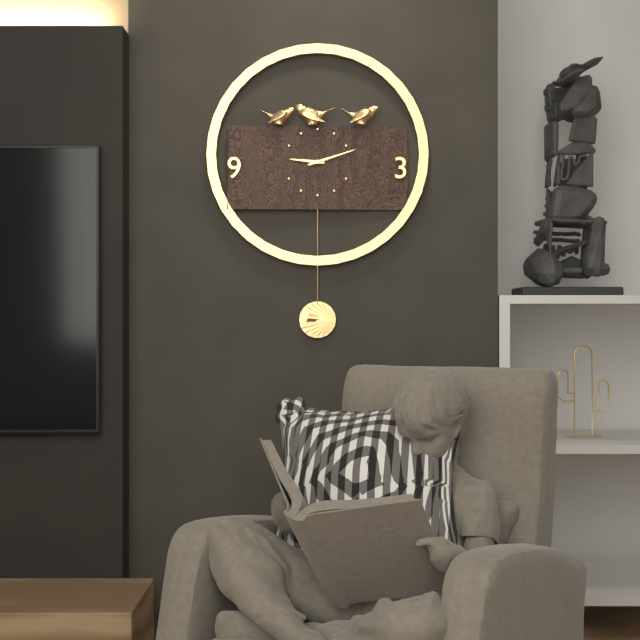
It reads {"hour": 9, "minute": 12}
